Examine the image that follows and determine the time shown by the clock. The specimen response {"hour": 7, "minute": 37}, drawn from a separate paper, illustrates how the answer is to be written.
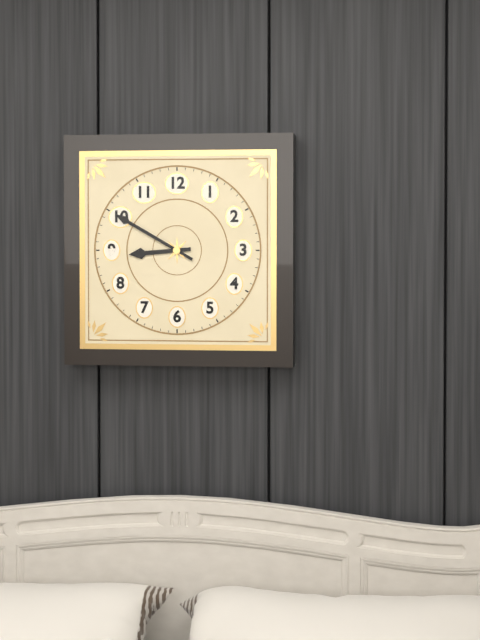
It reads {"hour": 8, "minute": 50}
